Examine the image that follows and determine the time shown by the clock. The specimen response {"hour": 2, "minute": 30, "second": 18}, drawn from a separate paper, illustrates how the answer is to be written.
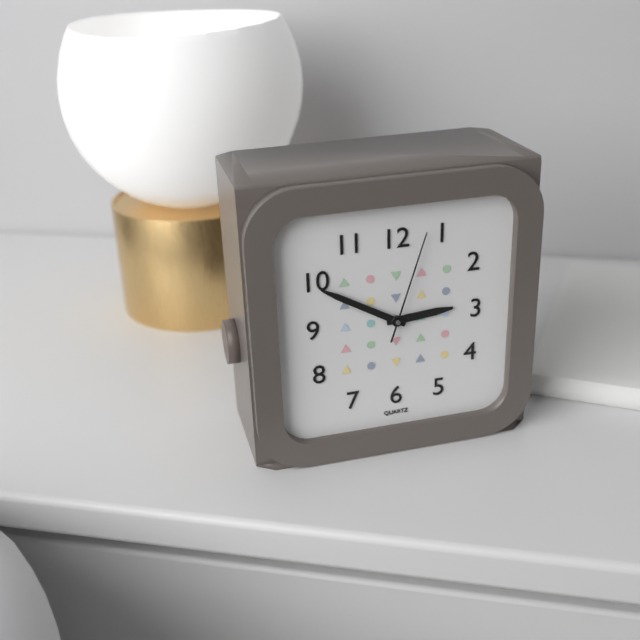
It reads {"hour": 2, "minute": 50, "second": 3}
